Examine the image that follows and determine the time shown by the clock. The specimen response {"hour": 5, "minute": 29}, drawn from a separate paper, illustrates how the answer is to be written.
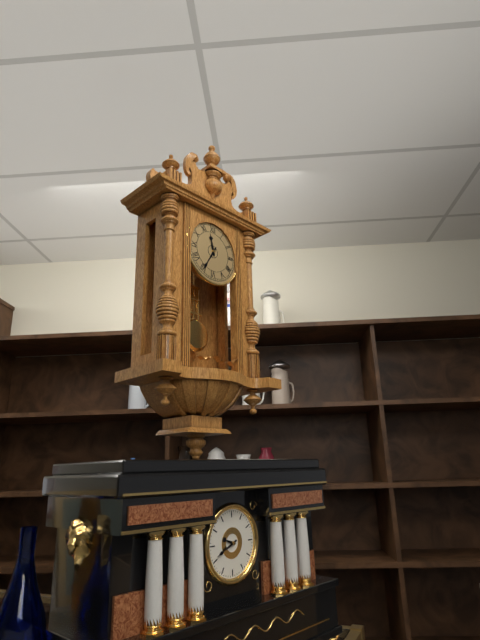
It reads {"hour": 11, "minute": 35}
